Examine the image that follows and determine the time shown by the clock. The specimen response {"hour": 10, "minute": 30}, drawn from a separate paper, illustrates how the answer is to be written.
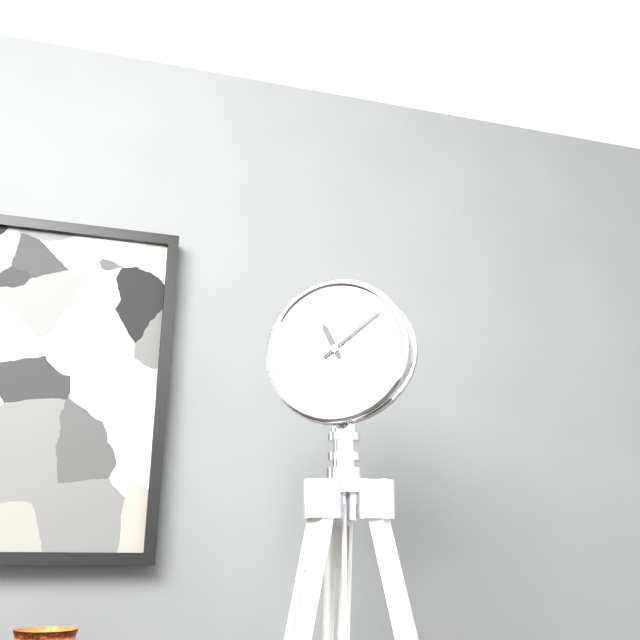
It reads {"hour": 11, "minute": 9}
